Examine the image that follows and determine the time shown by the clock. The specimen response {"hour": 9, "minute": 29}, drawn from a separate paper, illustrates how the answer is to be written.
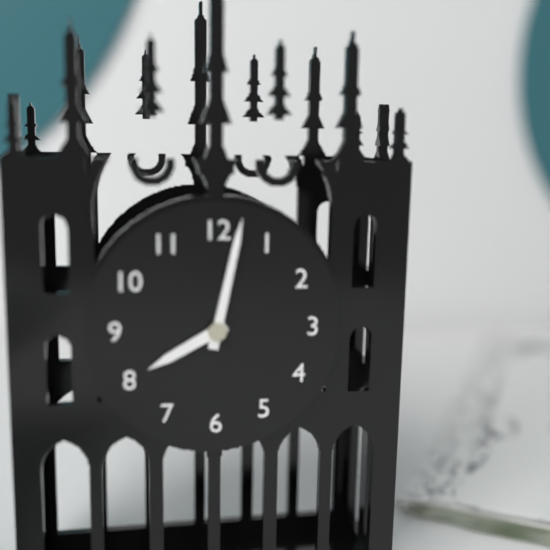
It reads {"hour": 8, "minute": 2}
